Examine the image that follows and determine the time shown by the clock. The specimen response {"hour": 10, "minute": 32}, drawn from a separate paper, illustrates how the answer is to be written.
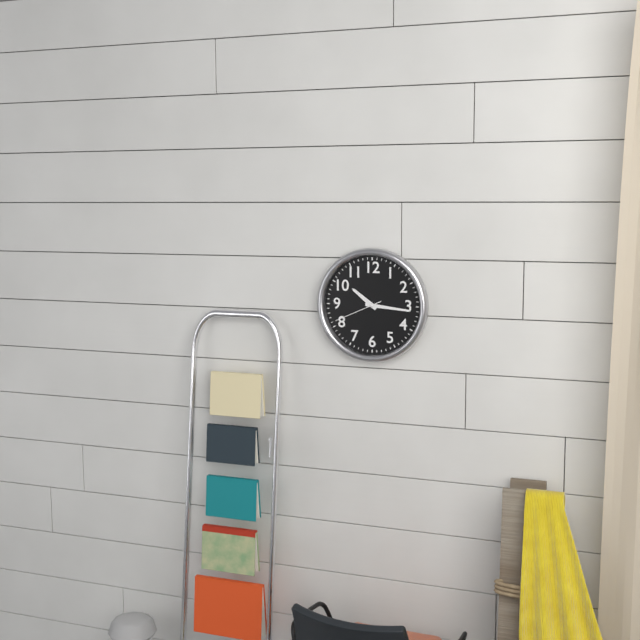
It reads {"hour": 10, "minute": 16}
